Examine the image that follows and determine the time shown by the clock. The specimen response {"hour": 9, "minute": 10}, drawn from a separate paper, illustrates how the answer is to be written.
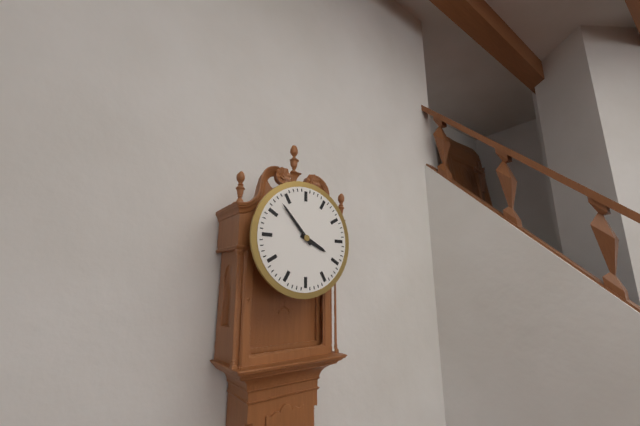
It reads {"hour": 3, "minute": 53}
